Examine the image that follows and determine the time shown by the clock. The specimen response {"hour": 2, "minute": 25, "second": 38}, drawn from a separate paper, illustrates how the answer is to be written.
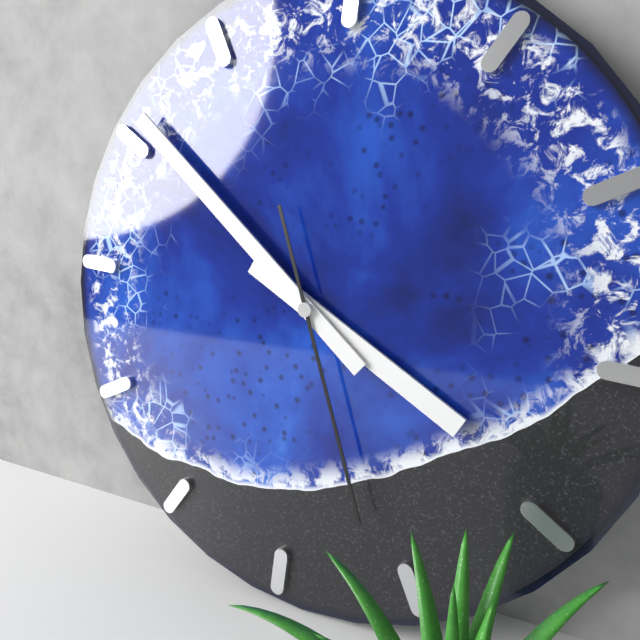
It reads {"hour": 3, "minute": 51, "second": 26}
